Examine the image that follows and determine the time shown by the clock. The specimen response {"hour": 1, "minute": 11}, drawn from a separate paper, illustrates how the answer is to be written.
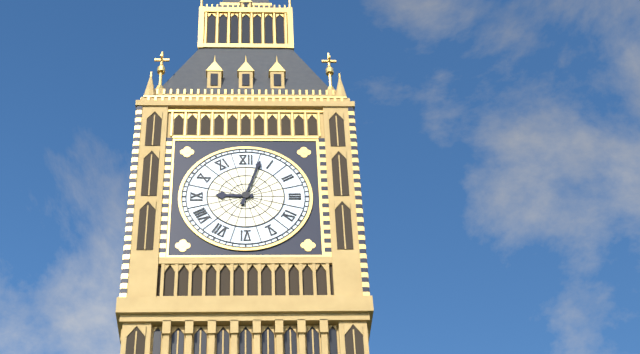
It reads {"hour": 9, "minute": 3}
